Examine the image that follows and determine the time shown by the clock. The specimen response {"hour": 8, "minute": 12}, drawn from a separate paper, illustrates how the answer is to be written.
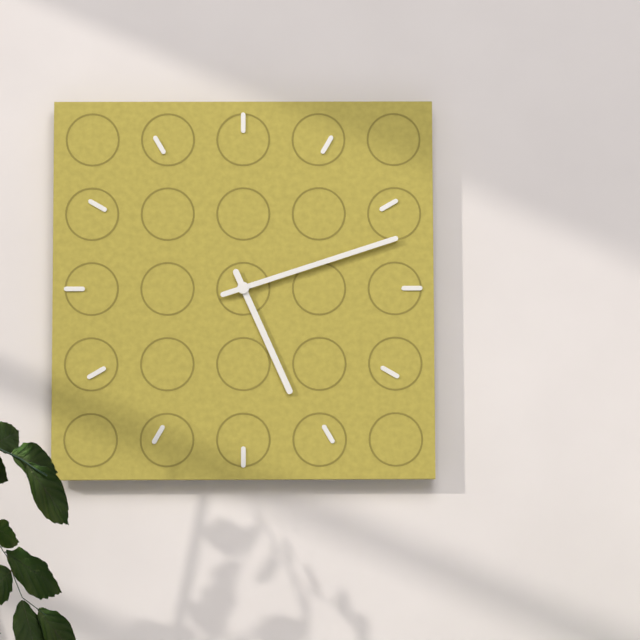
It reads {"hour": 5, "minute": 12}
